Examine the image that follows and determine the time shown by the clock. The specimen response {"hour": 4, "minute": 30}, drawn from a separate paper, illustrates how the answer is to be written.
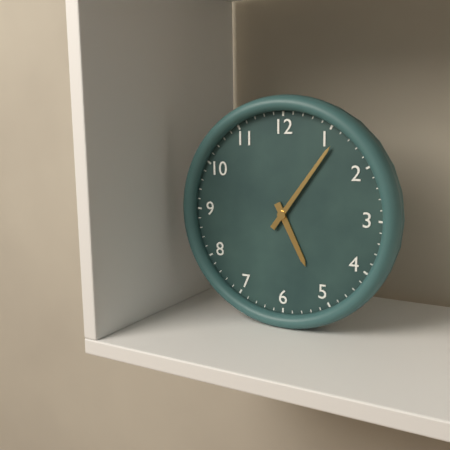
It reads {"hour": 5, "minute": 6}
